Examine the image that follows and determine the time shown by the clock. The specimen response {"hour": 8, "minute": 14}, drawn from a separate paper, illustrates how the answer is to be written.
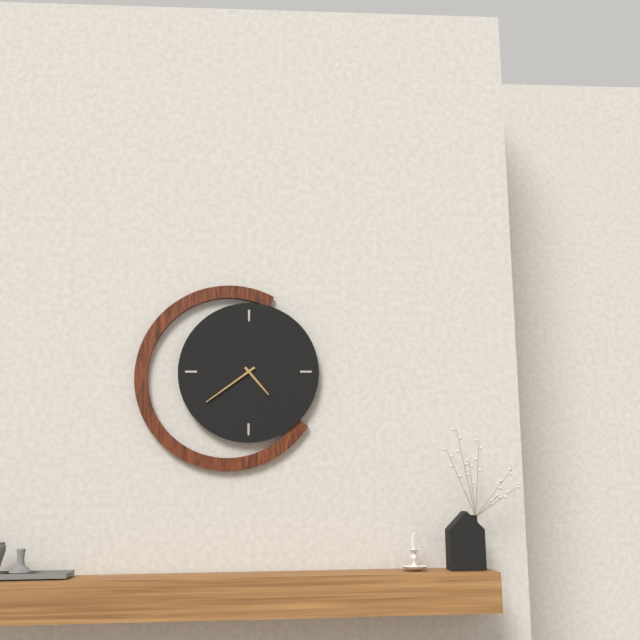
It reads {"hour": 4, "minute": 39}
